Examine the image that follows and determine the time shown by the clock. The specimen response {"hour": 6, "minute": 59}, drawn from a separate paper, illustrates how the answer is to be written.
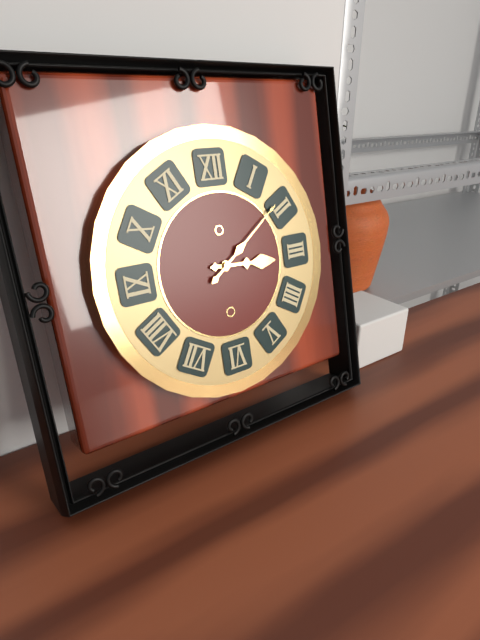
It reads {"hour": 3, "minute": 9}
